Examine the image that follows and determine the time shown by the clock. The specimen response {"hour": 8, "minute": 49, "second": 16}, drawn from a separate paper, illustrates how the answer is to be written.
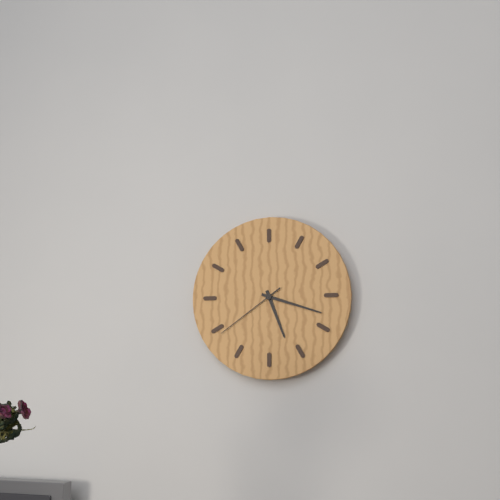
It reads {"hour": 5, "minute": 18, "second": 39}
